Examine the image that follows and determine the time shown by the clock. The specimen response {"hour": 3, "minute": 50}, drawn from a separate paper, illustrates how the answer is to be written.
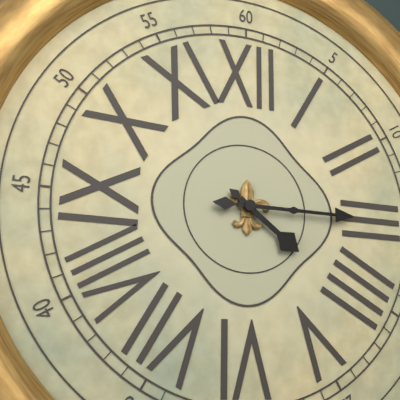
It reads {"hour": 4, "minute": 15}
